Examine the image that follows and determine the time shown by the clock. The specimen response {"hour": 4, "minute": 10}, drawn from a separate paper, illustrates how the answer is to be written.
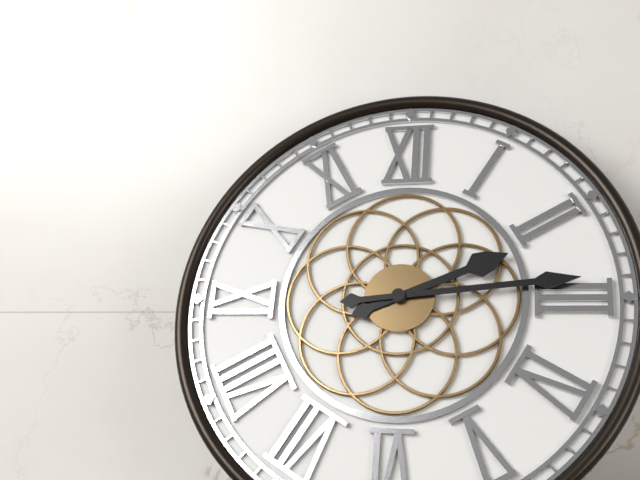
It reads {"hour": 2, "minute": 14}
